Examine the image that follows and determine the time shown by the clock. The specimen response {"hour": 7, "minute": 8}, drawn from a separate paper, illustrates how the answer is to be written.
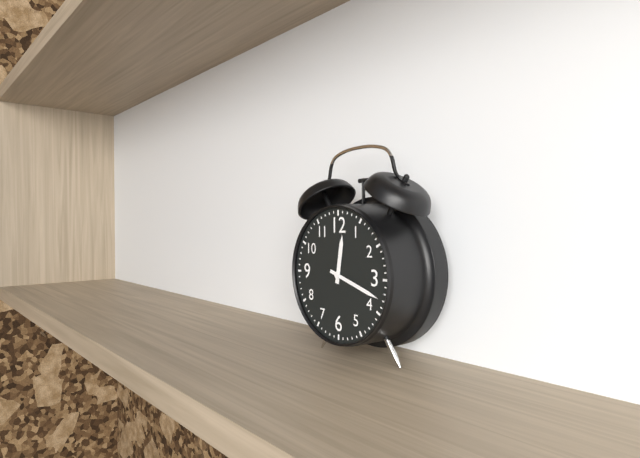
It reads {"hour": 12, "minute": 18}
